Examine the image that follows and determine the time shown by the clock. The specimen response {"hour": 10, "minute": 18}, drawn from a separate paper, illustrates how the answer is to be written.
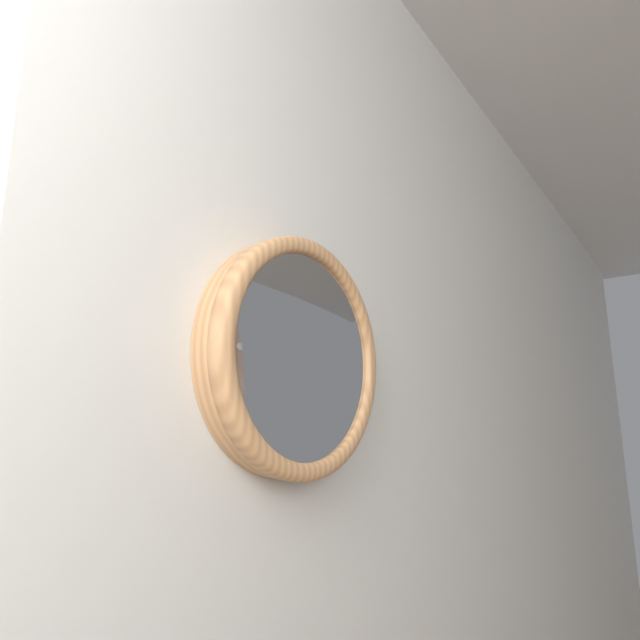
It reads {"hour": 6, "minute": 59}
